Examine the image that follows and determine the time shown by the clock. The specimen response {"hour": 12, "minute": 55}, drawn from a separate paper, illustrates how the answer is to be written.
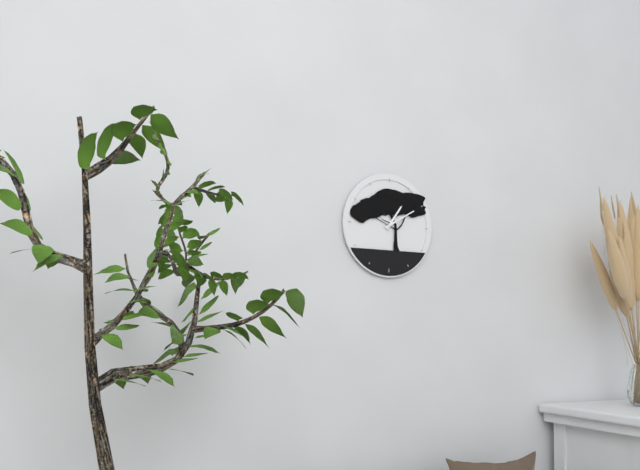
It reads {"hour": 1, "minute": 10}
